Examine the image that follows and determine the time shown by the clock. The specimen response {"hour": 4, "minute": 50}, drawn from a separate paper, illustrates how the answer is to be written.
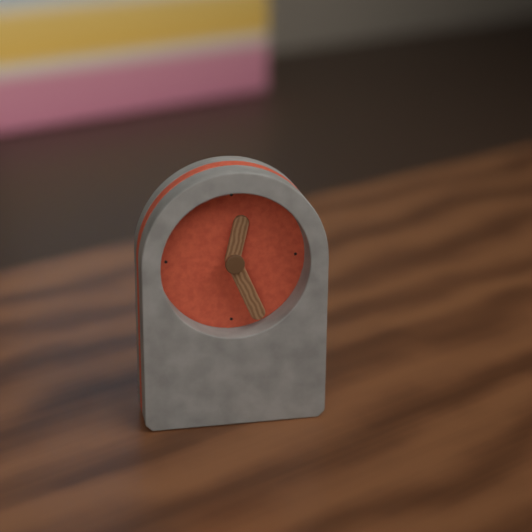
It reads {"hour": 12, "minute": 26}
